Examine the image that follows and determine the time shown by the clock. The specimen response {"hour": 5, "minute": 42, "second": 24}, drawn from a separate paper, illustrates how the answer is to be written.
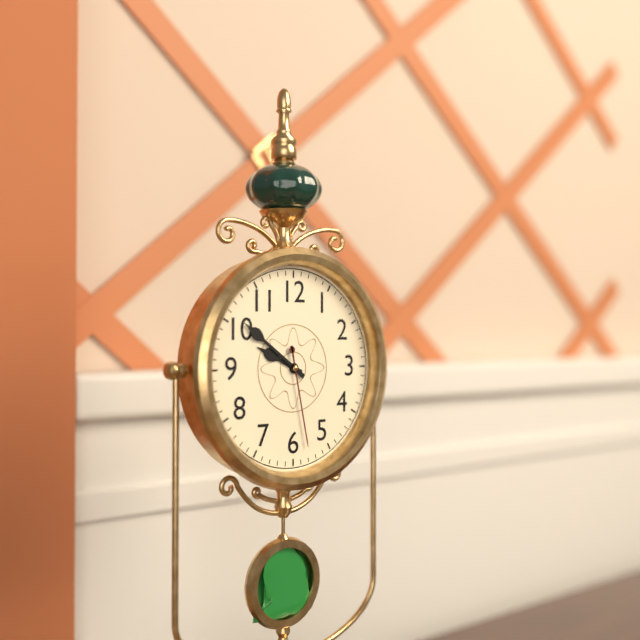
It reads {"hour": 9, "minute": 51, "second": 28}
